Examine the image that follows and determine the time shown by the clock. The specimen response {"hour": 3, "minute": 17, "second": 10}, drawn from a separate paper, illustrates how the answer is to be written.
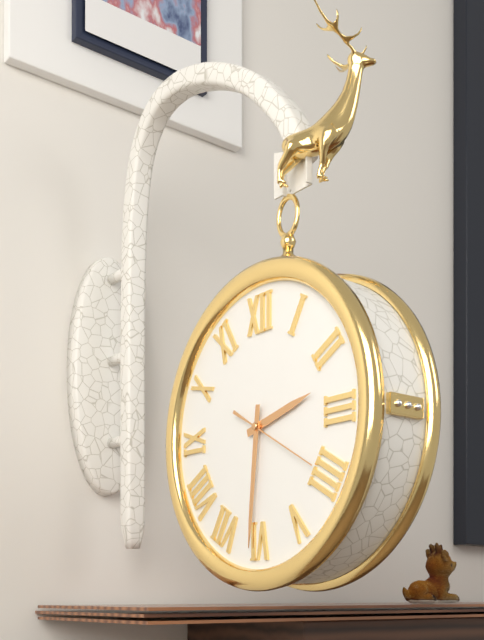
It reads {"hour": 2, "minute": 31, "second": 20}
